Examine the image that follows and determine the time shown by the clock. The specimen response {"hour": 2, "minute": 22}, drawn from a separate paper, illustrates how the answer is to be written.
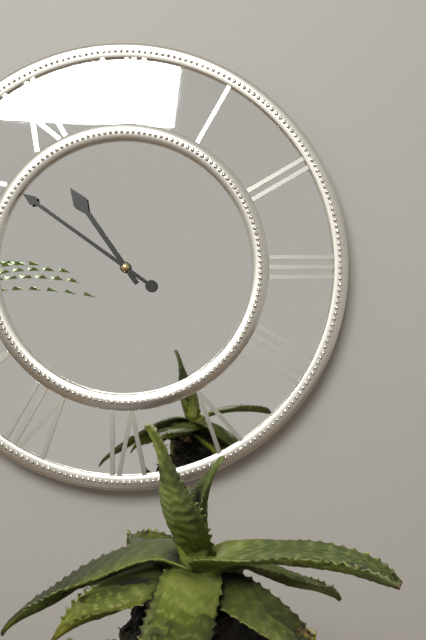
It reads {"hour": 10, "minute": 51}
